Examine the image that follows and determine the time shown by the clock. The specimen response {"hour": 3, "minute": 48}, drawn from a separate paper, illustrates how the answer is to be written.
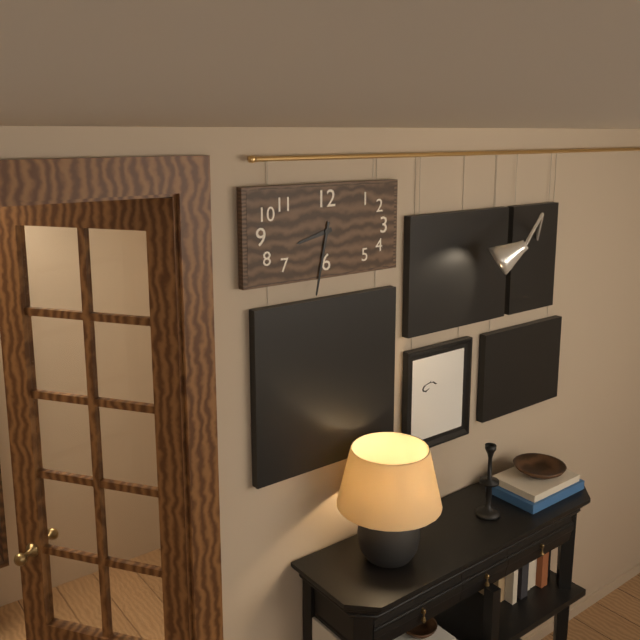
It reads {"hour": 8, "minute": 32}
